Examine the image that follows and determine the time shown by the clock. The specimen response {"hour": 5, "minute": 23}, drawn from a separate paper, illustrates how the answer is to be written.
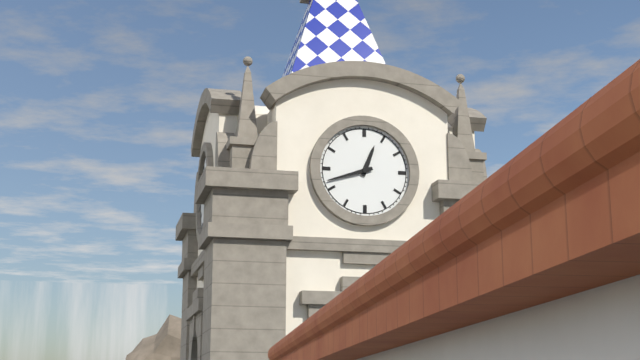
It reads {"hour": 12, "minute": 42}
